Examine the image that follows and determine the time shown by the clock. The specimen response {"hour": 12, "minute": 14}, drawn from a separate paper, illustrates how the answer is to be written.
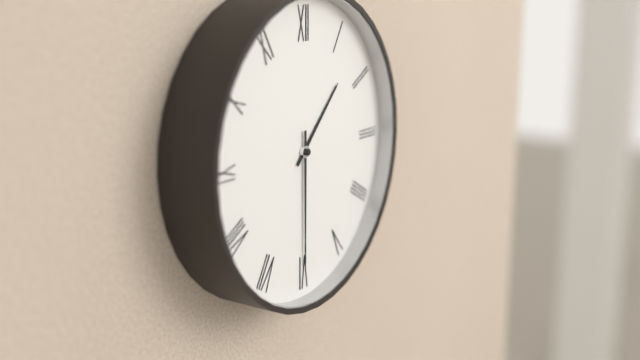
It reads {"hour": 1, "minute": 30}
